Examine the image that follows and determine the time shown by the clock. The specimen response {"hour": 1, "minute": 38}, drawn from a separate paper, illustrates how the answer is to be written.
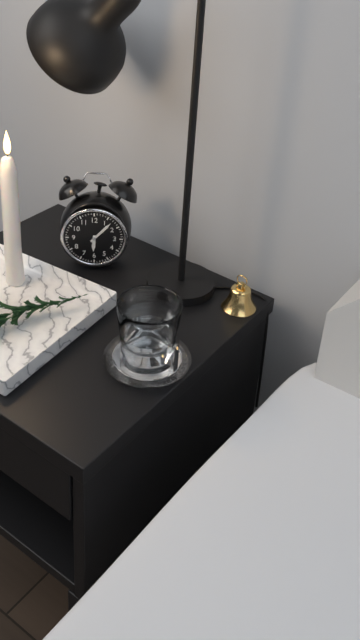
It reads {"hour": 6, "minute": 7}
